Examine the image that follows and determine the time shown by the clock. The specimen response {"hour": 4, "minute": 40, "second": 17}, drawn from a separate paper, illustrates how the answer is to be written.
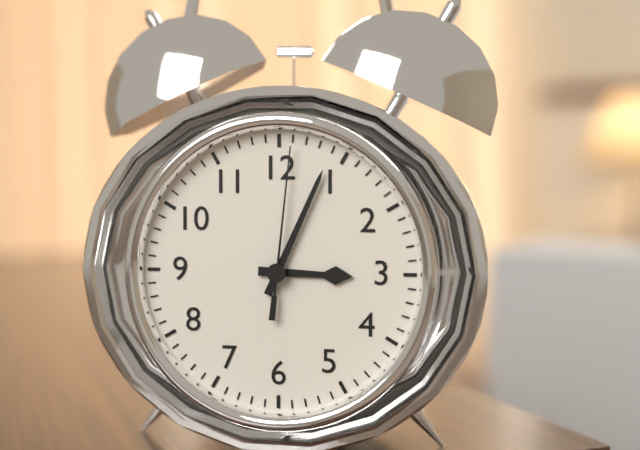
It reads {"hour": 3, "minute": 4, "second": 1}
